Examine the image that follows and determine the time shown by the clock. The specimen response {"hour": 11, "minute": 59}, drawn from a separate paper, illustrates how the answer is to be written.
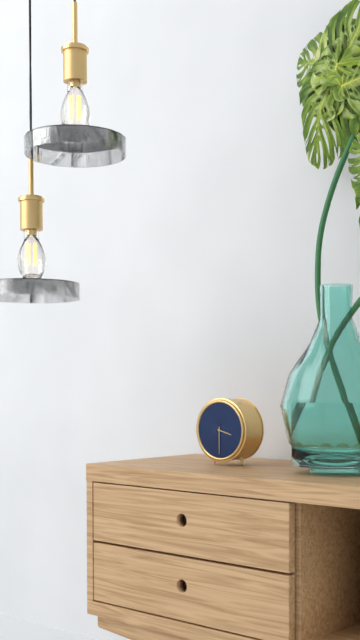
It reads {"hour": 3, "minute": 30}
